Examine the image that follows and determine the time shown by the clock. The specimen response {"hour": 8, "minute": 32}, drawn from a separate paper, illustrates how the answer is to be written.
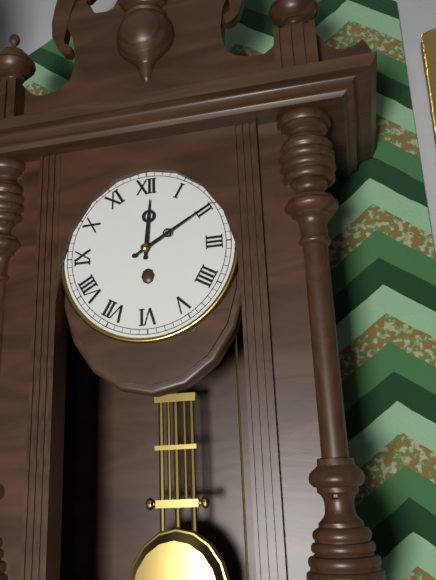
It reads {"hour": 12, "minute": 10}
